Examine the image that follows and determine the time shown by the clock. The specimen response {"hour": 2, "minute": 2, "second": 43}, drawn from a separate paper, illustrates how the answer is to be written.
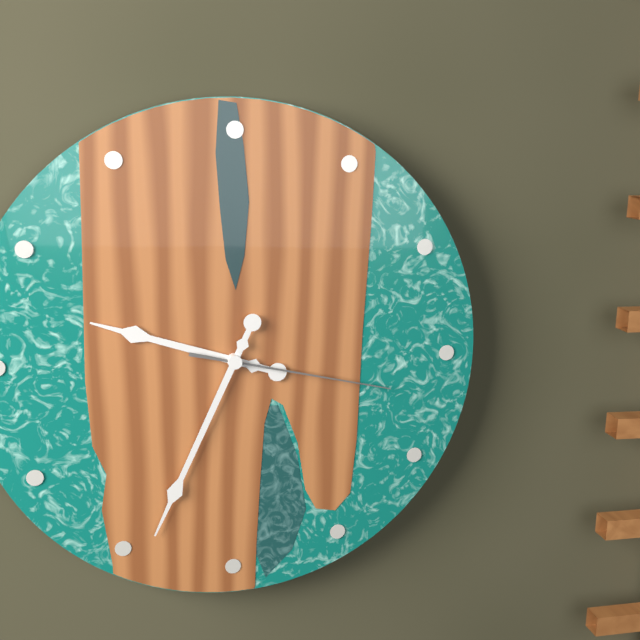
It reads {"hour": 9, "minute": 34, "second": 17}
